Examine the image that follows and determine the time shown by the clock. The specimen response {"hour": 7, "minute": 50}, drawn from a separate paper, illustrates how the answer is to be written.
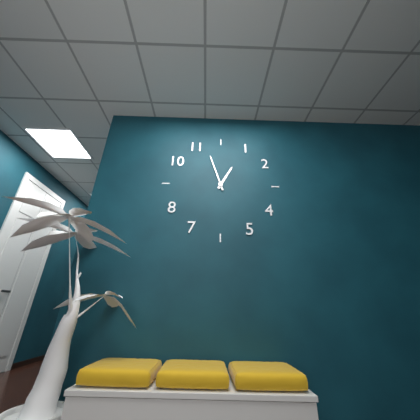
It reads {"hour": 12, "minute": 57}
